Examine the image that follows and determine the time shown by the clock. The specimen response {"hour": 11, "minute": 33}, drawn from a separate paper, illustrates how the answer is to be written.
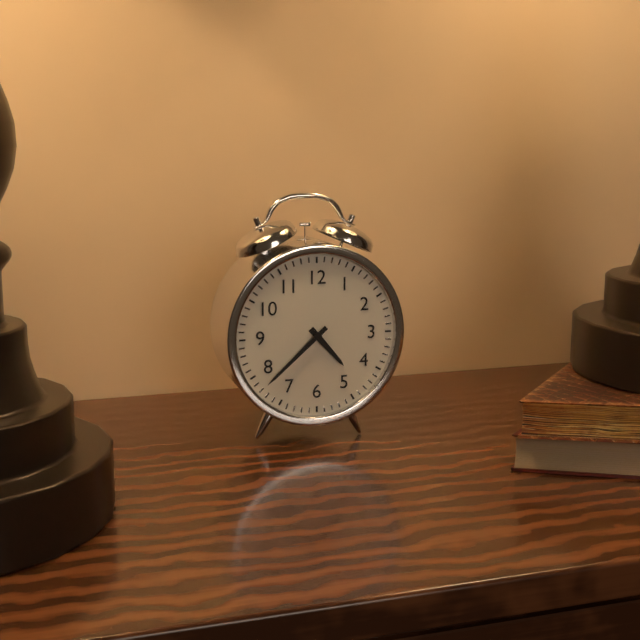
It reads {"hour": 4, "minute": 38}
